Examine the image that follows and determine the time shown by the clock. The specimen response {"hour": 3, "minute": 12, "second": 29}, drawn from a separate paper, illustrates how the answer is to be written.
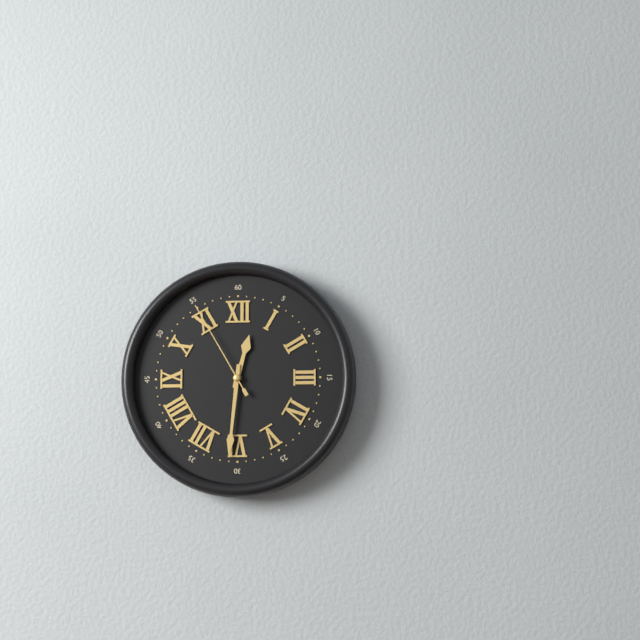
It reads {"hour": 12, "minute": 31, "second": 55}
